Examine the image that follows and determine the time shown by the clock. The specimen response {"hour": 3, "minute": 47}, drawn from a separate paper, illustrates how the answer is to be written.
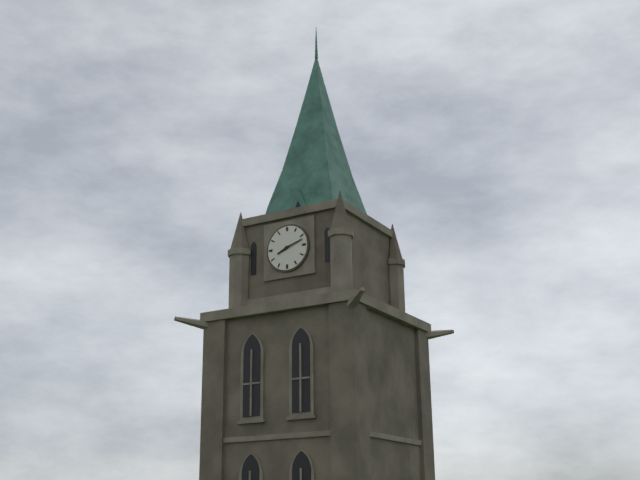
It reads {"hour": 8, "minute": 12}
